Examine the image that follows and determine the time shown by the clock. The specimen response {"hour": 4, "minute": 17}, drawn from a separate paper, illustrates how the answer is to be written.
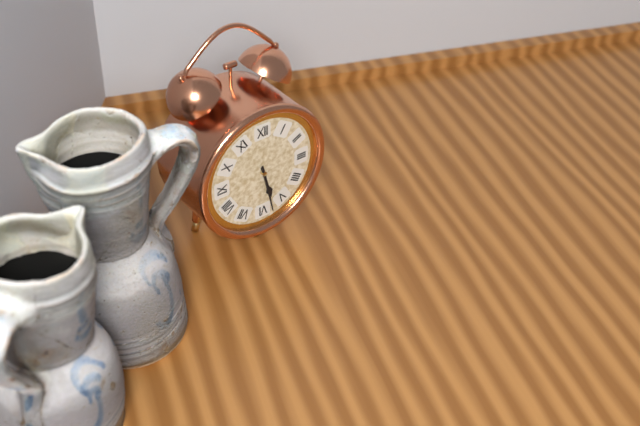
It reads {"hour": 5, "minute": 28}
